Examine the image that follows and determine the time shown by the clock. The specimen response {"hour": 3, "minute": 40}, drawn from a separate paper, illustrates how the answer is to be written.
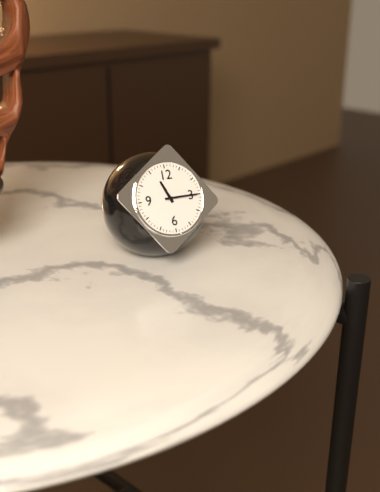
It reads {"hour": 11, "minute": 15}
